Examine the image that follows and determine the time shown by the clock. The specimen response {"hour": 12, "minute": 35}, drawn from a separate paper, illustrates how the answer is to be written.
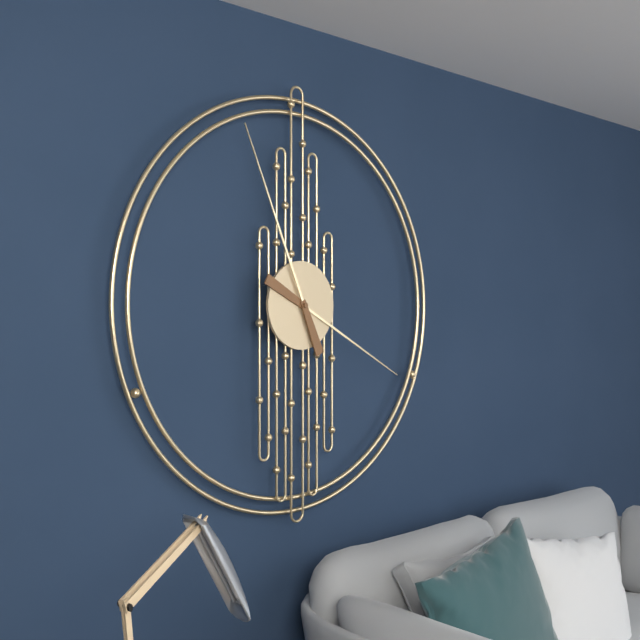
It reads {"hour": 3, "minute": 56}
